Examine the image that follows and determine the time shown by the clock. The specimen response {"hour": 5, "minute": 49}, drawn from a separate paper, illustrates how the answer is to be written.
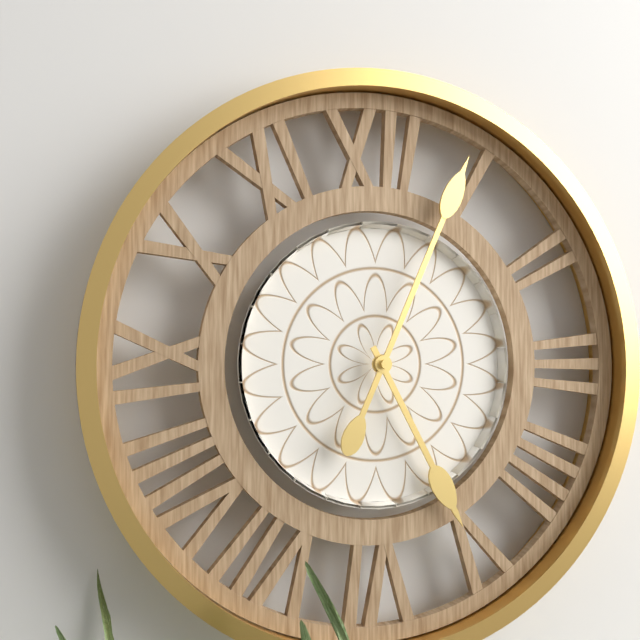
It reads {"hour": 5, "minute": 4}
